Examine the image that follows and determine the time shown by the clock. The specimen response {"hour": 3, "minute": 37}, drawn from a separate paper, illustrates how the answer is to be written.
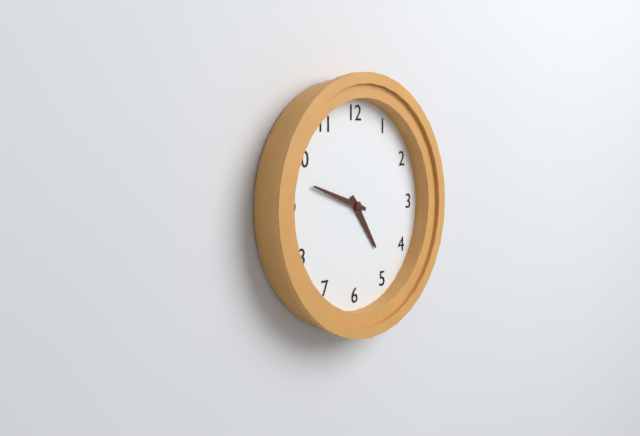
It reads {"hour": 4, "minute": 48}
